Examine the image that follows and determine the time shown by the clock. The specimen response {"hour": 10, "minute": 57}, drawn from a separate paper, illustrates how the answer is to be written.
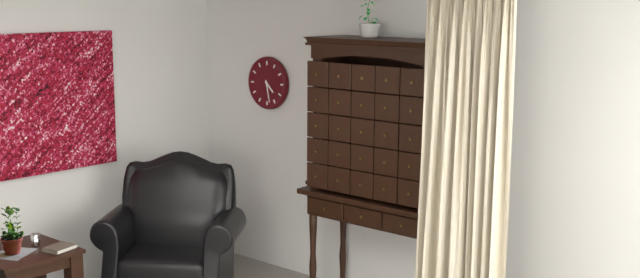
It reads {"hour": 4, "minute": 28}
